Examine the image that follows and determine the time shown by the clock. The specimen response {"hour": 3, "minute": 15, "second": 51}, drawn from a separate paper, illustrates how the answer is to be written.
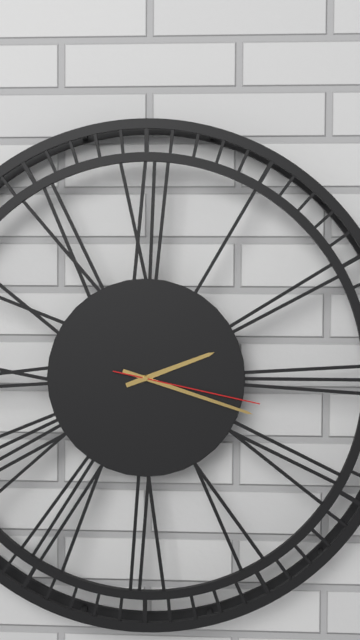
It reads {"hour": 2, "minute": 18, "second": 17}
